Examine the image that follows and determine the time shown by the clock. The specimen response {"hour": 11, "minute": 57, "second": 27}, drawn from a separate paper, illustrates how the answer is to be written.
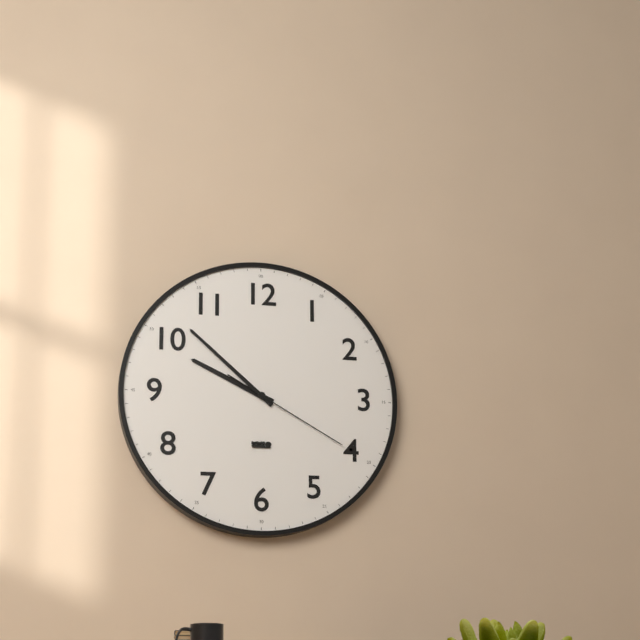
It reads {"hour": 9, "minute": 52, "second": 20}
